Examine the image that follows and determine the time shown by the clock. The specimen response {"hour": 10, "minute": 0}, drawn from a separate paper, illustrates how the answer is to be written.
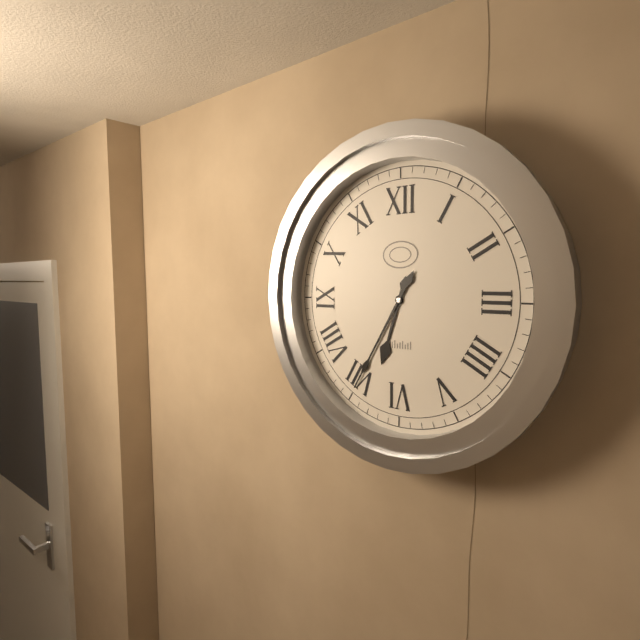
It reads {"hour": 6, "minute": 35}
